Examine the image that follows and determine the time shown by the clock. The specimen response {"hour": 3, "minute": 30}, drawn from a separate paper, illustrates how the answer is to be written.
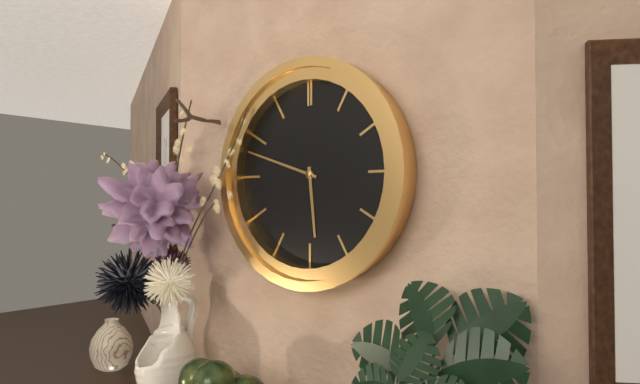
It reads {"hour": 5, "minute": 48}
